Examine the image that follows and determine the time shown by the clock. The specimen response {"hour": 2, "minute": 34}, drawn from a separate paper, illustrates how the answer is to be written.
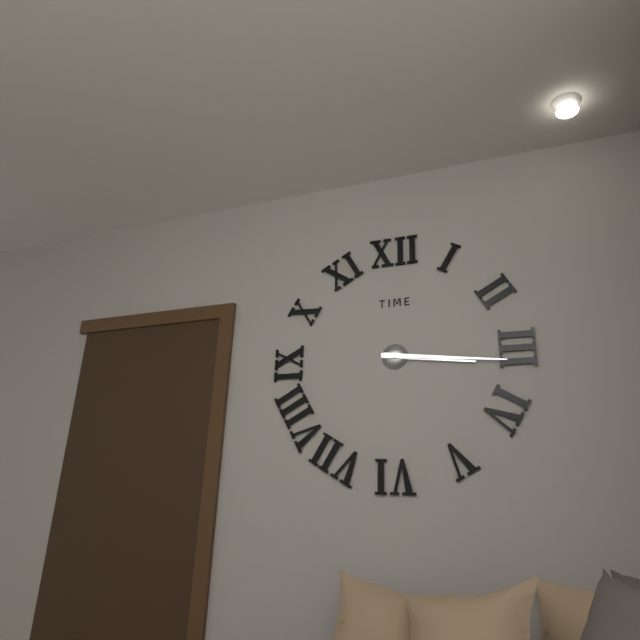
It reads {"hour": 3, "minute": 16}
